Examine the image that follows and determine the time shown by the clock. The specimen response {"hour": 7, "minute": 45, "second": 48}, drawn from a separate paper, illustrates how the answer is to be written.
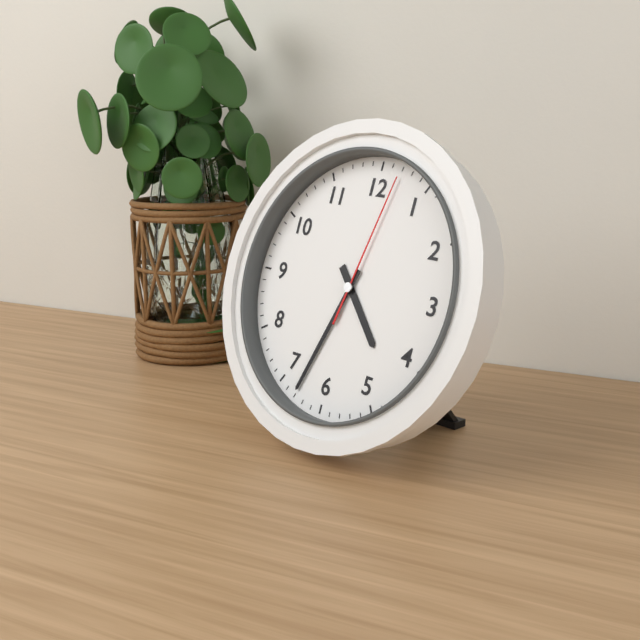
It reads {"hour": 4, "minute": 33, "second": 2}
